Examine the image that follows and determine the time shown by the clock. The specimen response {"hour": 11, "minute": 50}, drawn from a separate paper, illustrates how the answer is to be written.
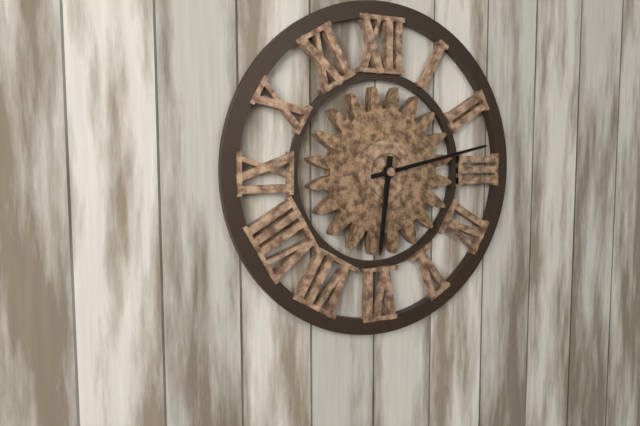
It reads {"hour": 6, "minute": 13}
